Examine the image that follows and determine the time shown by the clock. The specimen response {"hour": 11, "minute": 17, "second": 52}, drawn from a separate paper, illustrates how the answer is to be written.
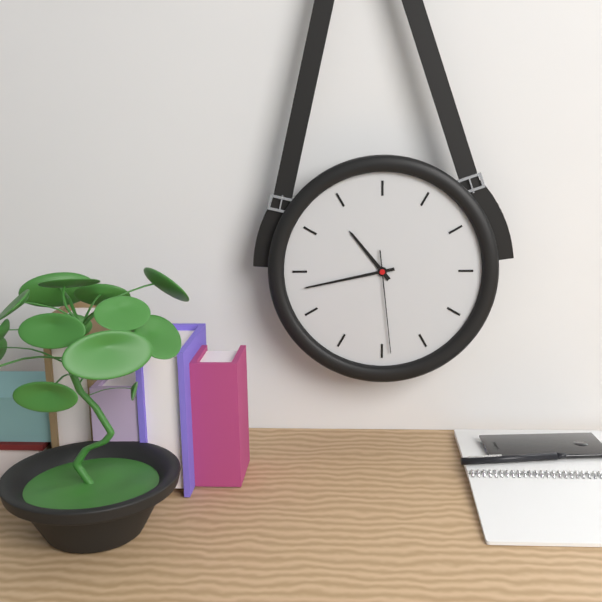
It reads {"hour": 10, "minute": 43, "second": 29}
